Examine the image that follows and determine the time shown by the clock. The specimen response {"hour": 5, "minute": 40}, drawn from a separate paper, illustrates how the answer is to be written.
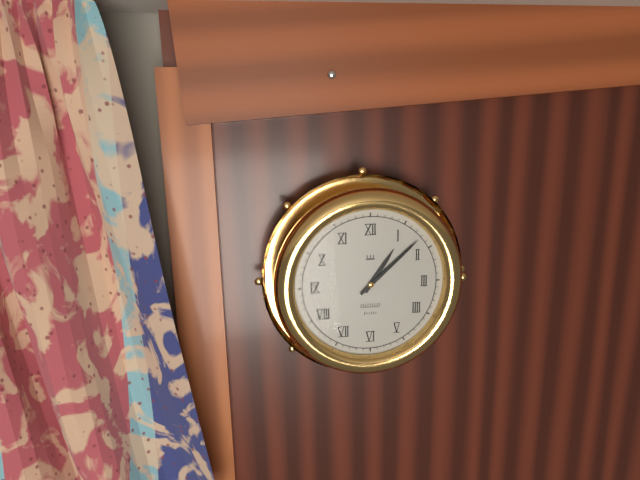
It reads {"hour": 1, "minute": 8}
